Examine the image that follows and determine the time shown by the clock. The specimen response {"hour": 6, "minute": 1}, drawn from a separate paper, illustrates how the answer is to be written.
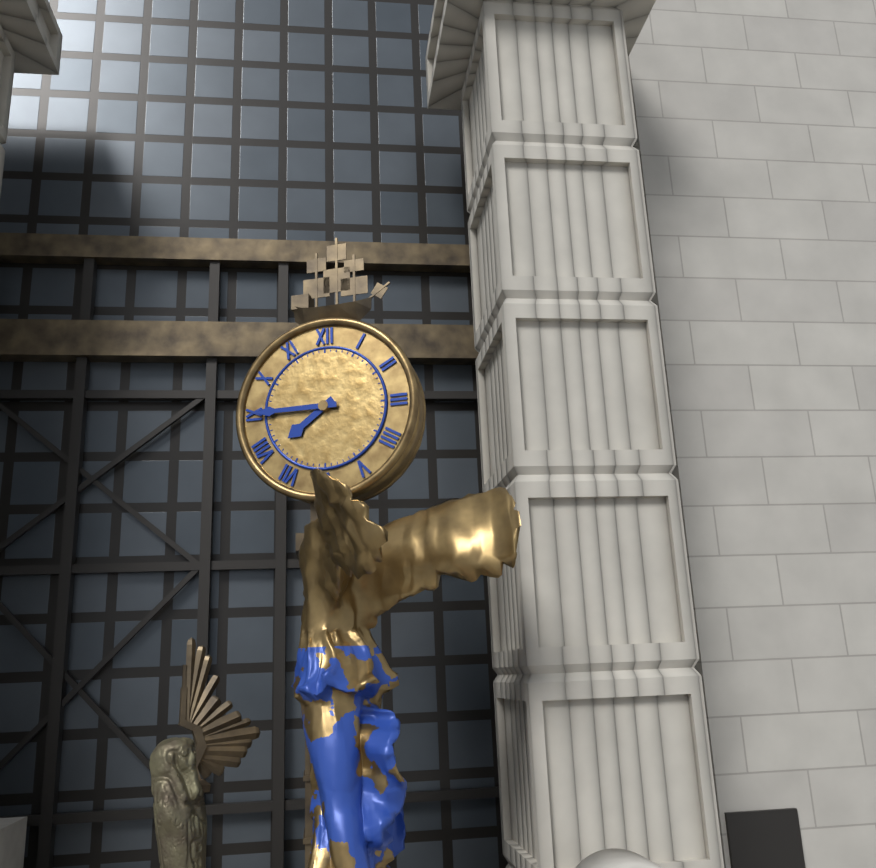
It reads {"hour": 7, "minute": 45}
